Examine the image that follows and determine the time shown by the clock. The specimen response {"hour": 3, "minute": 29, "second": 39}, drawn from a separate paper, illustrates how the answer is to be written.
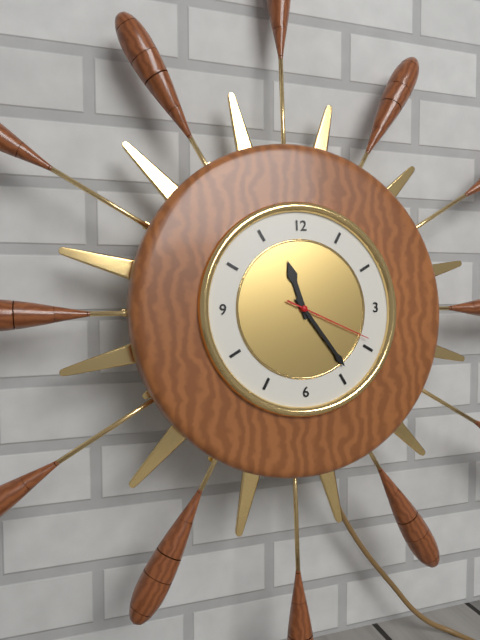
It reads {"hour": 11, "minute": 24, "second": 19}
